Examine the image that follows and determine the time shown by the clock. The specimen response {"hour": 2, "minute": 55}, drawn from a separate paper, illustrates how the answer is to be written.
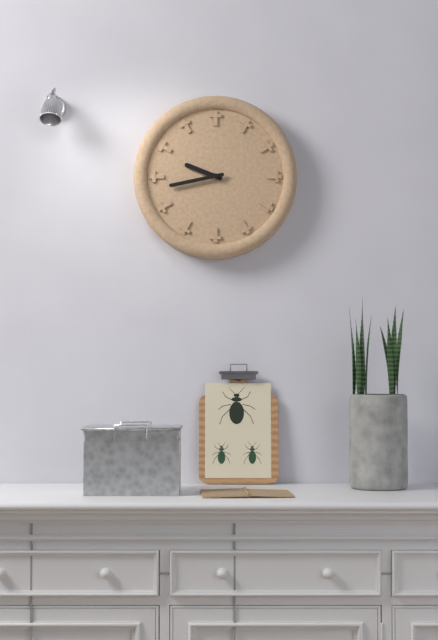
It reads {"hour": 9, "minute": 43}
